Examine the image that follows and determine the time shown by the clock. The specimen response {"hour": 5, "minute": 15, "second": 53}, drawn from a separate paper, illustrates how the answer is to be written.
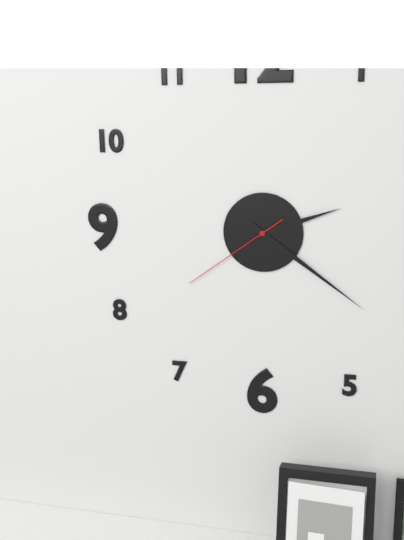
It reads {"hour": 2, "minute": 21, "second": 39}
